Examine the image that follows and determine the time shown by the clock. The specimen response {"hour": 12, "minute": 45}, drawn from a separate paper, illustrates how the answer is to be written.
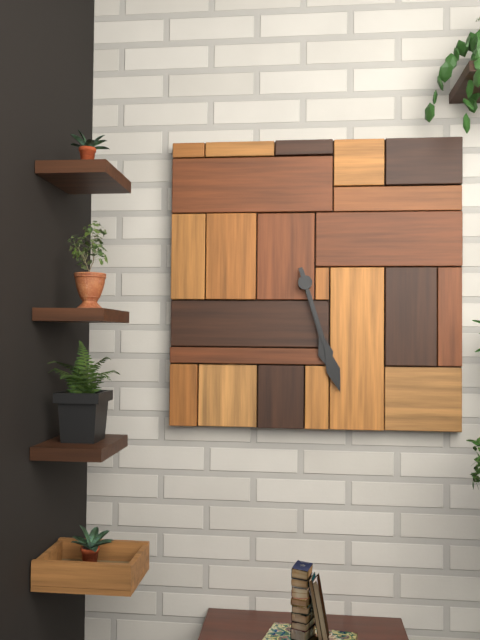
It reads {"hour": 5, "minute": 27}
